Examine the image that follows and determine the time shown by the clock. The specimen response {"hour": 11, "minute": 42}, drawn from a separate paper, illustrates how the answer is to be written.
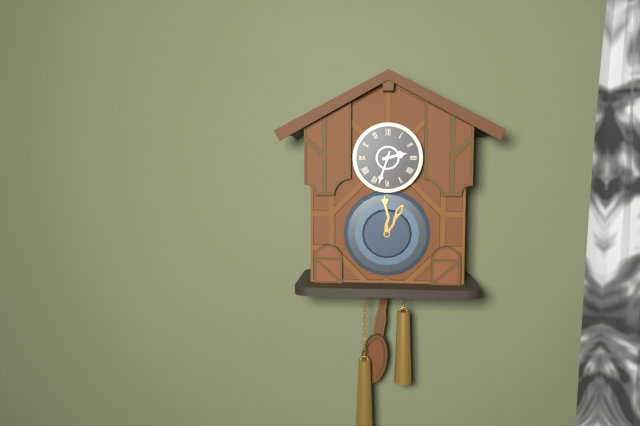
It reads {"hour": 2, "minute": 33}
